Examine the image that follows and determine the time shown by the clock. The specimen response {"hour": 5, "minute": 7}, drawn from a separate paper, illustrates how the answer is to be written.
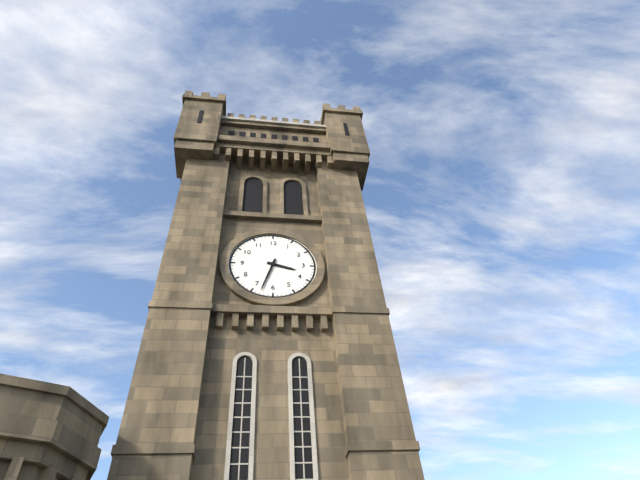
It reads {"hour": 3, "minute": 33}
